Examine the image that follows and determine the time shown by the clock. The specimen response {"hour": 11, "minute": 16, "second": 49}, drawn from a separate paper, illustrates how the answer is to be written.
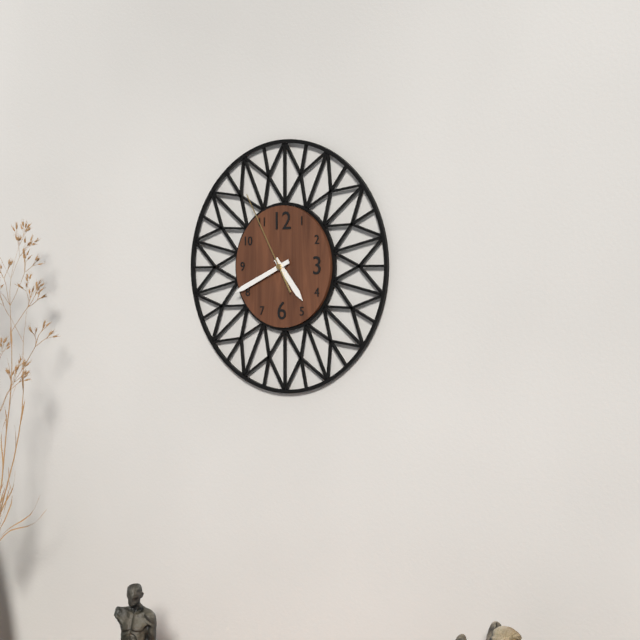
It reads {"hour": 4, "minute": 41, "second": 55}
